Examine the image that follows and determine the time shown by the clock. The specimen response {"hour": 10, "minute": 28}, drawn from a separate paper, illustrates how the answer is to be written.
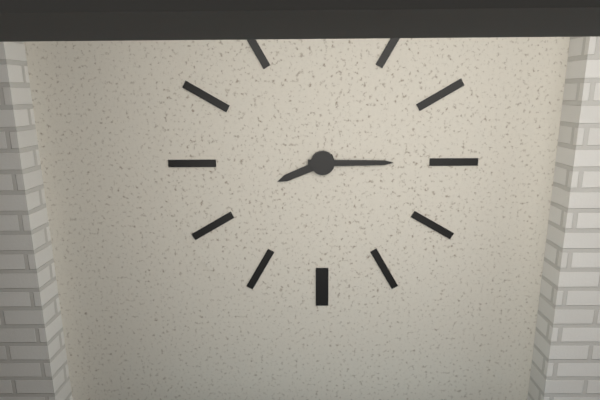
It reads {"hour": 8, "minute": 15}
